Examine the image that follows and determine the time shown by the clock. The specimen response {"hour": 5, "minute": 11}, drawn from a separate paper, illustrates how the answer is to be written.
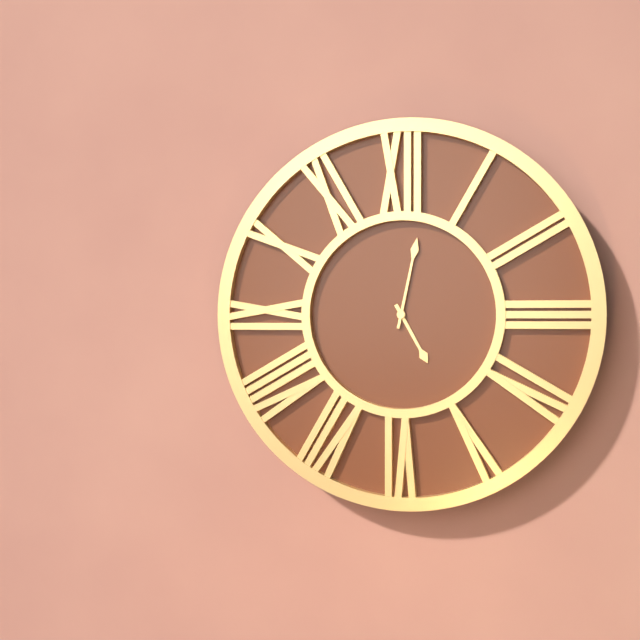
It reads {"hour": 5, "minute": 2}
